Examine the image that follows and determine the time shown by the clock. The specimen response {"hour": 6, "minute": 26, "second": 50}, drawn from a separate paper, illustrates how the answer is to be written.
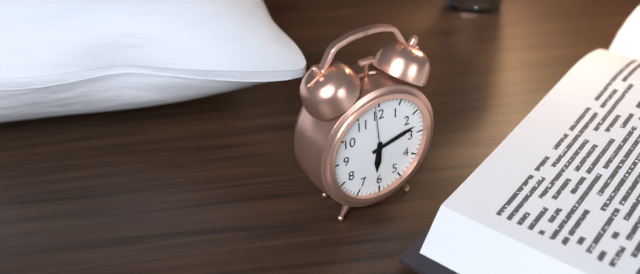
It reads {"hour": 6, "minute": 13, "second": 59}
